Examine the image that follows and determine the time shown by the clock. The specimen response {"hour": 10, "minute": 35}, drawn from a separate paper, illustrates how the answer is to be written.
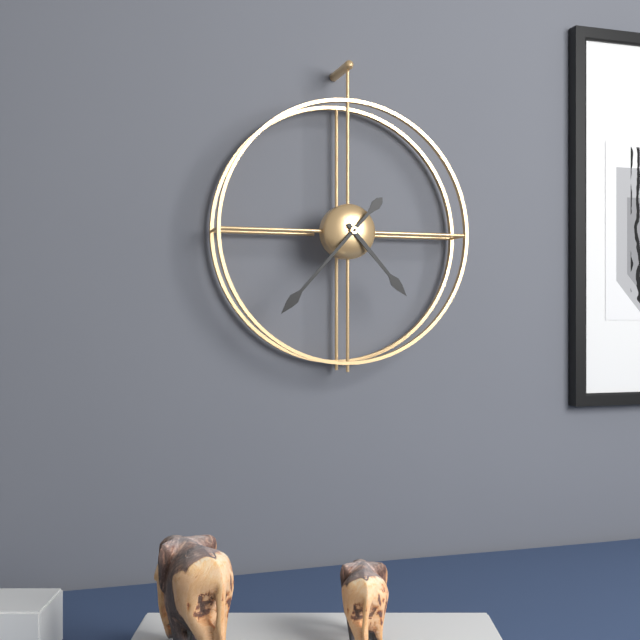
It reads {"hour": 4, "minute": 37}
